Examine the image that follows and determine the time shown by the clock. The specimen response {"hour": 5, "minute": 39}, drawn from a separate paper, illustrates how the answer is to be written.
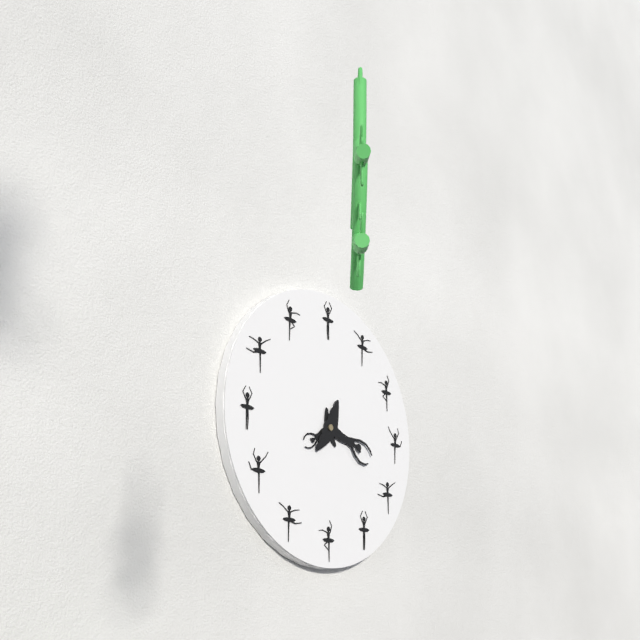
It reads {"hour": 8, "minute": 20}
